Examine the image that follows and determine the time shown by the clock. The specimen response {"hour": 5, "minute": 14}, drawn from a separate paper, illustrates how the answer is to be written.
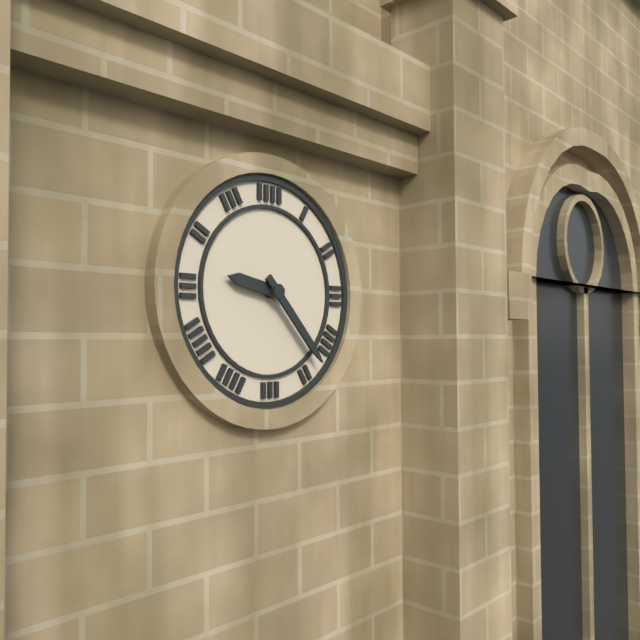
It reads {"hour": 9, "minute": 23}
